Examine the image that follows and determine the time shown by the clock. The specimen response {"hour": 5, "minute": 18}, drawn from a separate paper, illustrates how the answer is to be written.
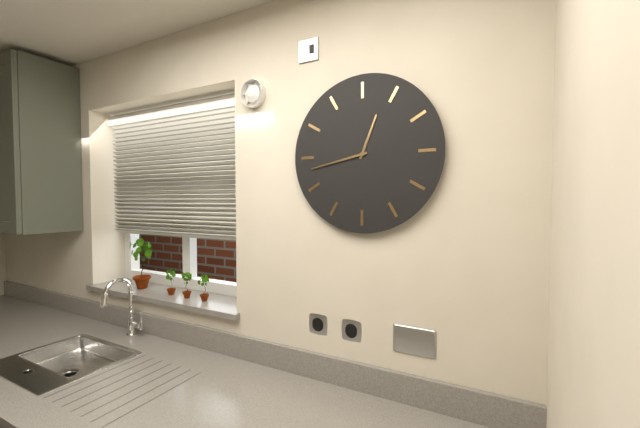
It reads {"hour": 12, "minute": 43}
